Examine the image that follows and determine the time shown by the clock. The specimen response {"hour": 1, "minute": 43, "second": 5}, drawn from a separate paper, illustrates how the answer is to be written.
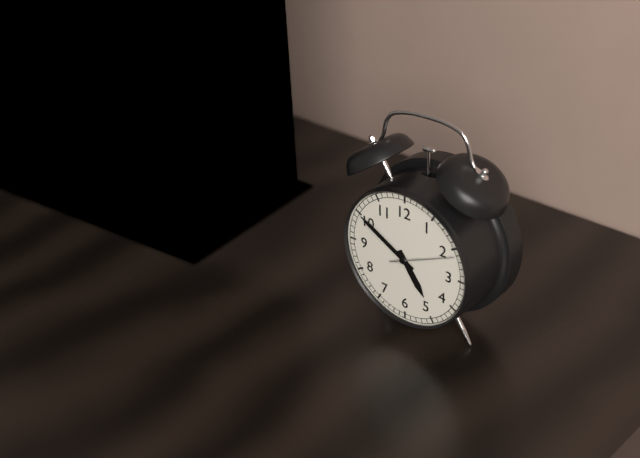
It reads {"hour": 4, "minute": 50, "second": 11}
